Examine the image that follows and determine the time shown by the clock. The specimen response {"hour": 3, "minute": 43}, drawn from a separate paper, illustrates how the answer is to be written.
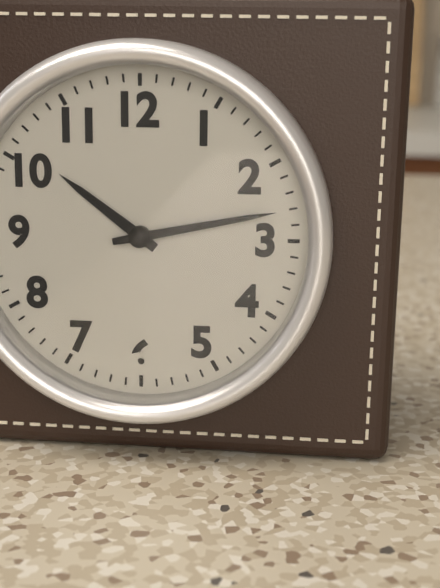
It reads {"hour": 10, "minute": 13}
